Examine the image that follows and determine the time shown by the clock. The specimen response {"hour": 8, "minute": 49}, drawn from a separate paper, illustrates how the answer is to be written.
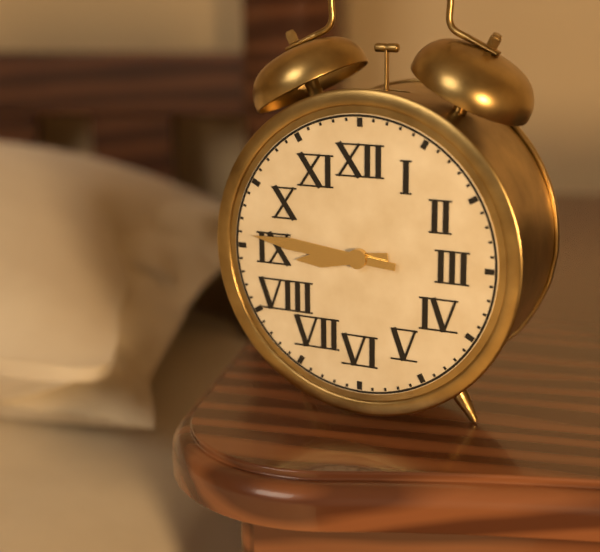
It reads {"hour": 8, "minute": 46}
